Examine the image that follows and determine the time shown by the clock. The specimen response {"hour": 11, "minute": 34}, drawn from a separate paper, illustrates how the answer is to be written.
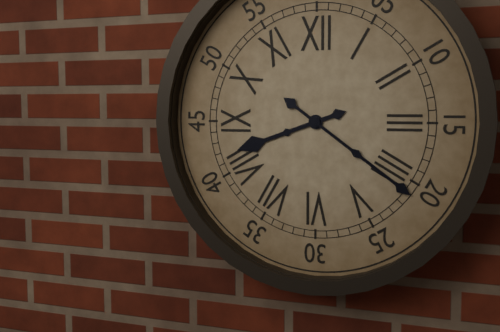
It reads {"hour": 8, "minute": 21}
